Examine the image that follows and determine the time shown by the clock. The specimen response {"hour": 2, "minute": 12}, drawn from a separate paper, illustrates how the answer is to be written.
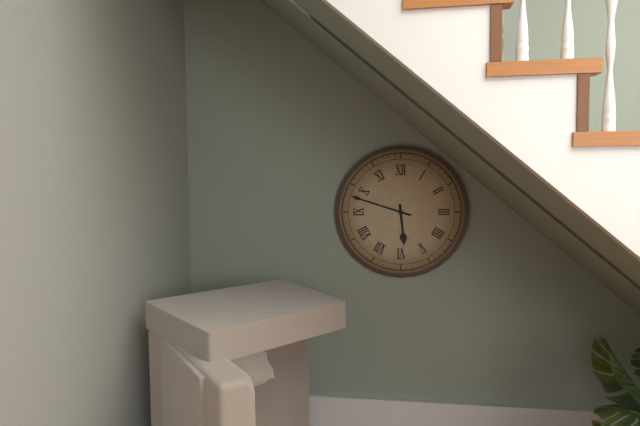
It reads {"hour": 5, "minute": 48}
